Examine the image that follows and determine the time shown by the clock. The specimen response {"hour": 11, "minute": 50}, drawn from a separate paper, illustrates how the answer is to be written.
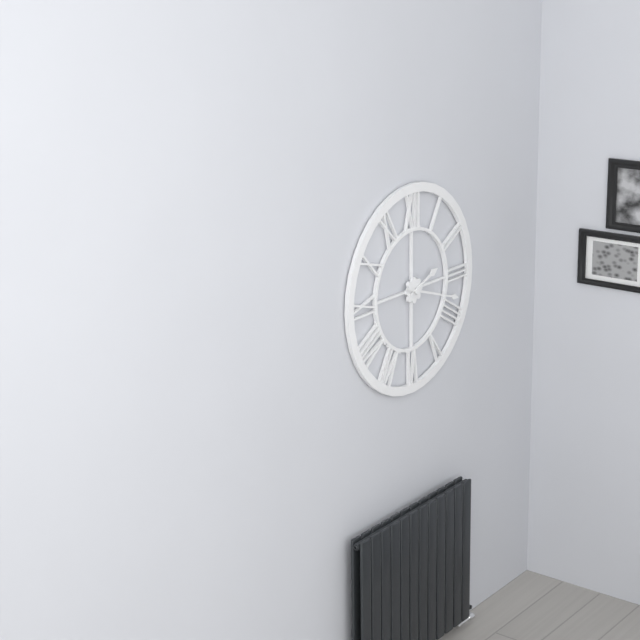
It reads {"hour": 2, "minute": 18}
